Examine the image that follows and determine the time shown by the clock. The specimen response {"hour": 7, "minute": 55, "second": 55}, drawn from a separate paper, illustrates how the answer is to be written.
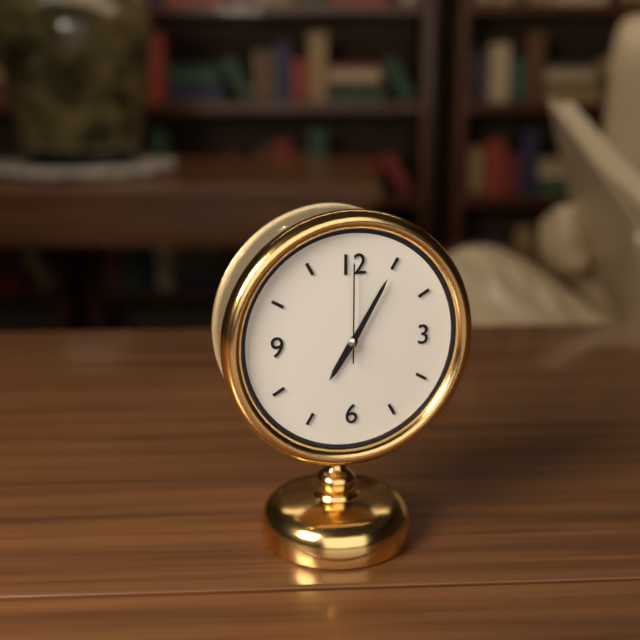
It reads {"hour": 7, "minute": 5, "second": 0}
